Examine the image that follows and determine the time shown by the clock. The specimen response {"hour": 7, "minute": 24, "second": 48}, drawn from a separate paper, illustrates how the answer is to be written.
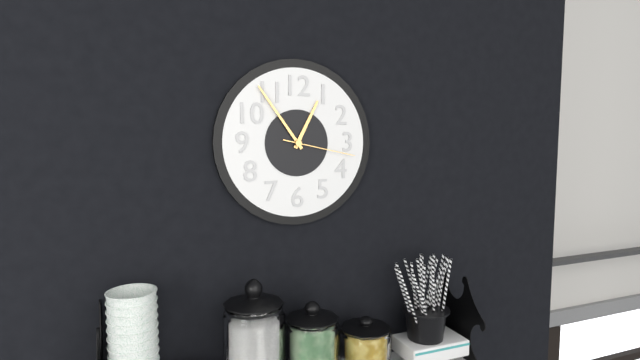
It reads {"hour": 12, "minute": 54, "second": 17}
